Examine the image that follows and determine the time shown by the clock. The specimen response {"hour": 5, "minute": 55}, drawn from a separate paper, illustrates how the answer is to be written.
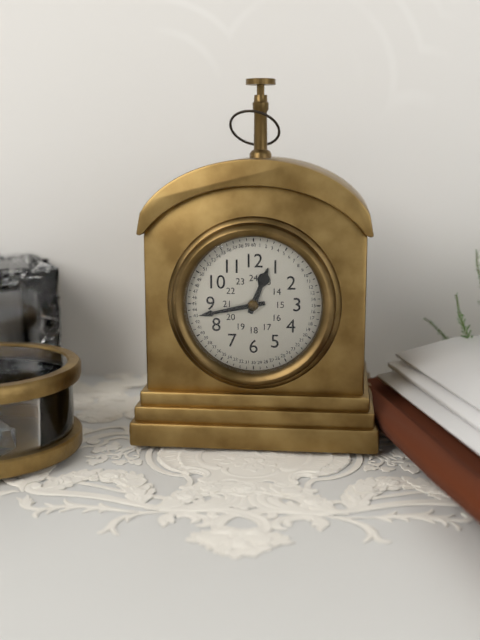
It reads {"hour": 12, "minute": 43}
